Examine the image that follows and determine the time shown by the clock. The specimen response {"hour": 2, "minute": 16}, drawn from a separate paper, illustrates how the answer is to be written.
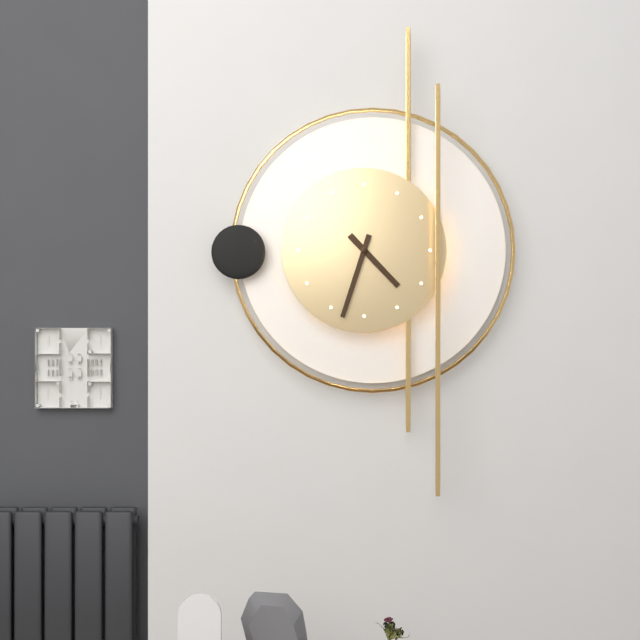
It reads {"hour": 4, "minute": 33}
